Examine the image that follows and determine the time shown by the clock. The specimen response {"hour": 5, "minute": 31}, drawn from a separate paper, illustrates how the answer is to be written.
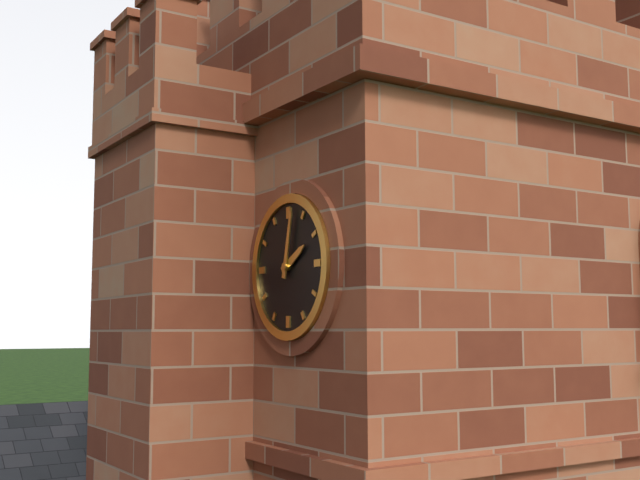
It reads {"hour": 2, "minute": 2}
